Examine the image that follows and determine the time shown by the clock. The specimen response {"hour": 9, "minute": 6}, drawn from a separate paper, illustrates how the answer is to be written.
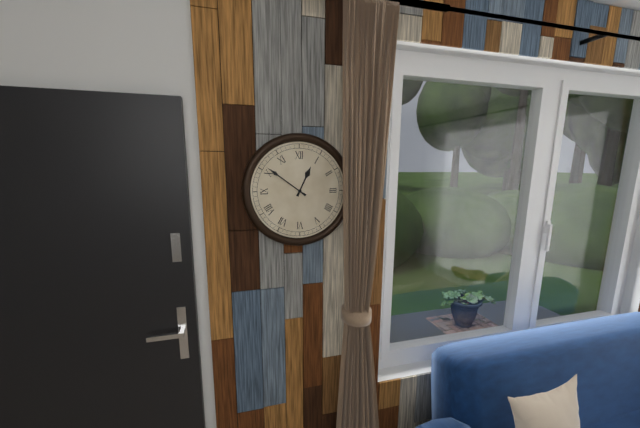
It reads {"hour": 12, "minute": 51}
